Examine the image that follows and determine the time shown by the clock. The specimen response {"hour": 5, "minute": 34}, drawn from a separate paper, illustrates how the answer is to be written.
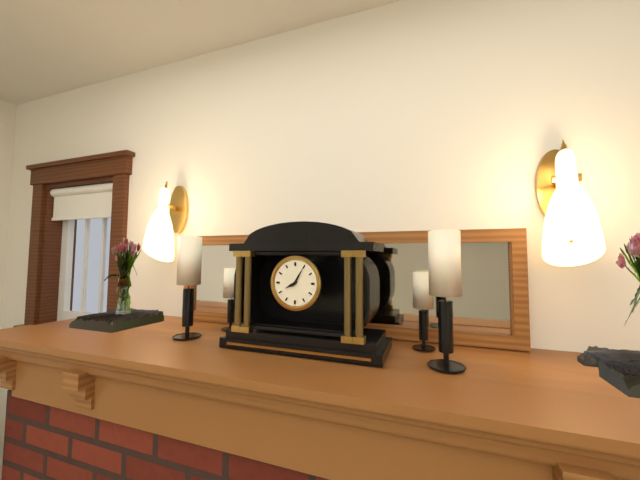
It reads {"hour": 8, "minute": 5}
